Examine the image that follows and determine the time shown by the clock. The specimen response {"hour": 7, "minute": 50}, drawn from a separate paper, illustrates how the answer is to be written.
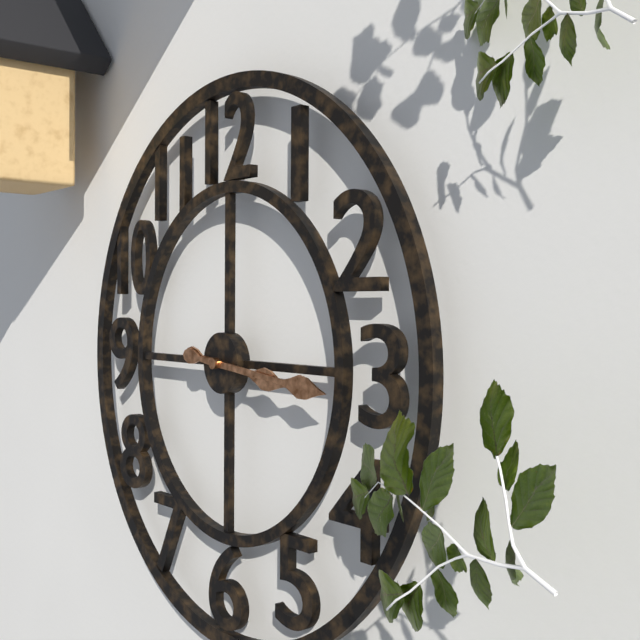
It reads {"hour": 3, "minute": 16}
